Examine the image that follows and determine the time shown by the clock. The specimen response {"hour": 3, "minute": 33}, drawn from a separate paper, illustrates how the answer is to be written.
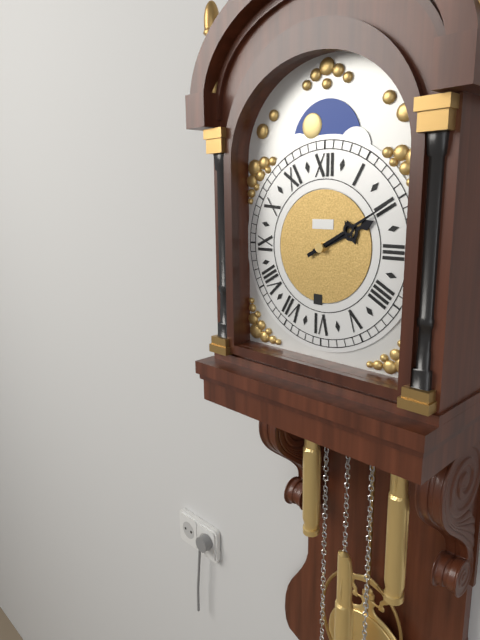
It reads {"hour": 2, "minute": 10}
